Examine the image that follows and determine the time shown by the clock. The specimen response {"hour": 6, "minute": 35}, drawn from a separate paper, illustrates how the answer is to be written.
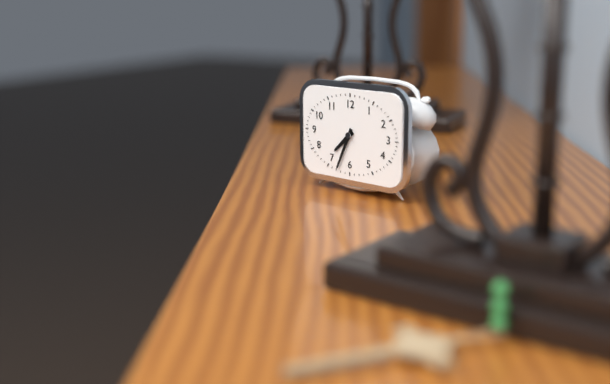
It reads {"hour": 7, "minute": 34}
